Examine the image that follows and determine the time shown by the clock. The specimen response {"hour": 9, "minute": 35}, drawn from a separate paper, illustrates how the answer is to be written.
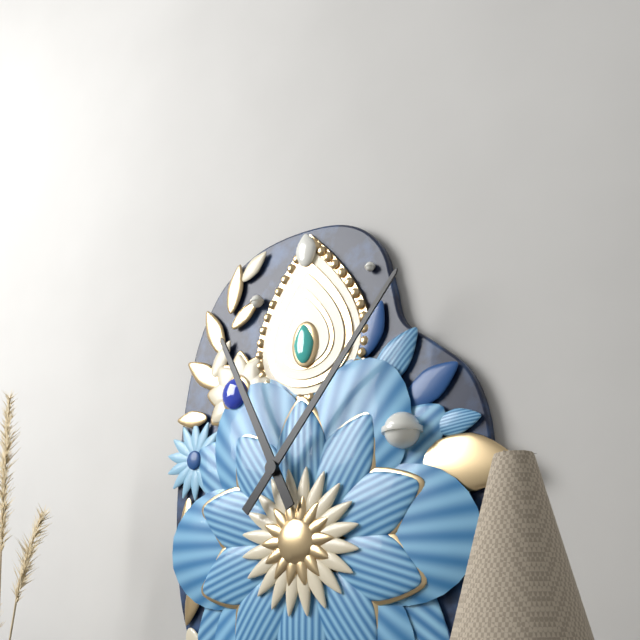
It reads {"hour": 11, "minute": 7}
